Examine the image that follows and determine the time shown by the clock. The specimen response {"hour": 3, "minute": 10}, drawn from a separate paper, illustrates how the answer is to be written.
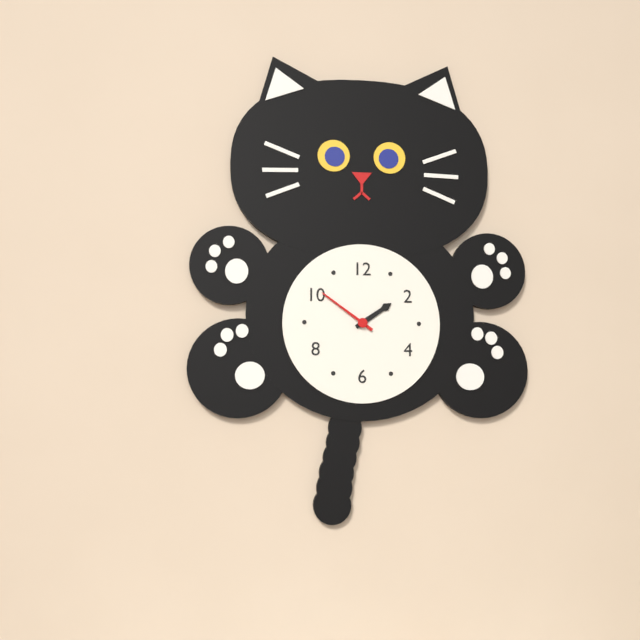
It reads {"hour": 1, "minute": 51}
